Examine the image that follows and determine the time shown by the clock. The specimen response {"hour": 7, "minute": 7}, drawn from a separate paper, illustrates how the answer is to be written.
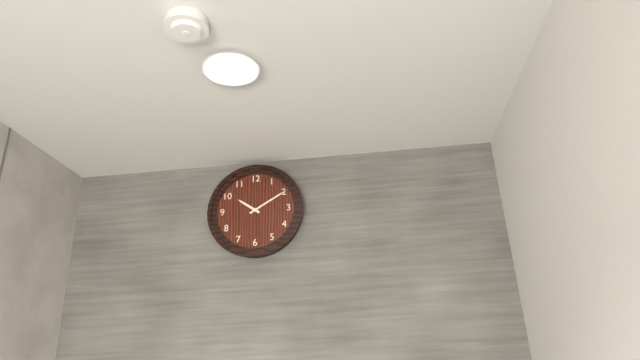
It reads {"hour": 10, "minute": 10}
